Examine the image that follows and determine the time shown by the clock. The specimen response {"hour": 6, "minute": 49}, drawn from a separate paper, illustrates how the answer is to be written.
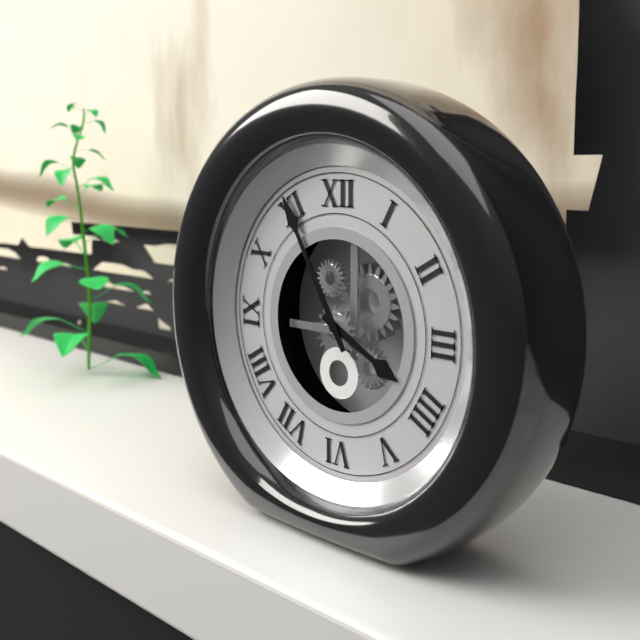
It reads {"hour": 3, "minute": 55}
